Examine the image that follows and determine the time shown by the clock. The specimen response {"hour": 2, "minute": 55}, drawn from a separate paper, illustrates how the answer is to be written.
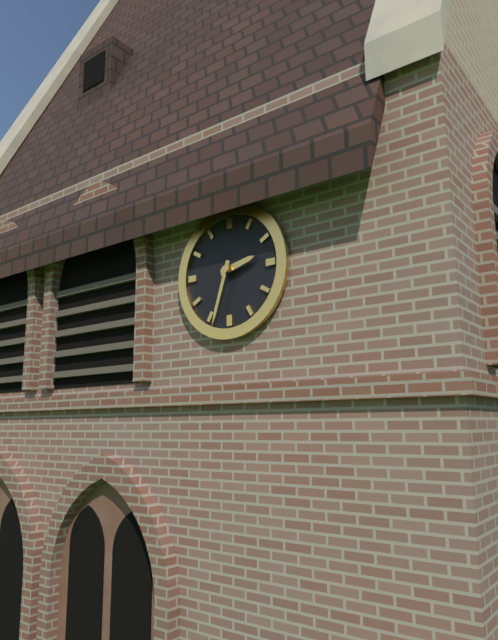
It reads {"hour": 2, "minute": 33}
